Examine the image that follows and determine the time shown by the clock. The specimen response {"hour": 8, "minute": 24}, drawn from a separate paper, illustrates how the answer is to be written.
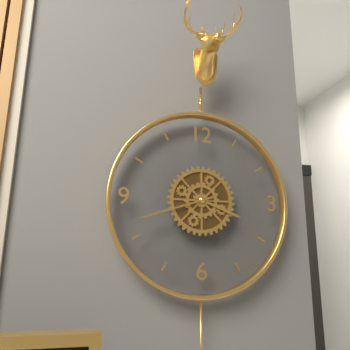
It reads {"hour": 3, "minute": 42}
